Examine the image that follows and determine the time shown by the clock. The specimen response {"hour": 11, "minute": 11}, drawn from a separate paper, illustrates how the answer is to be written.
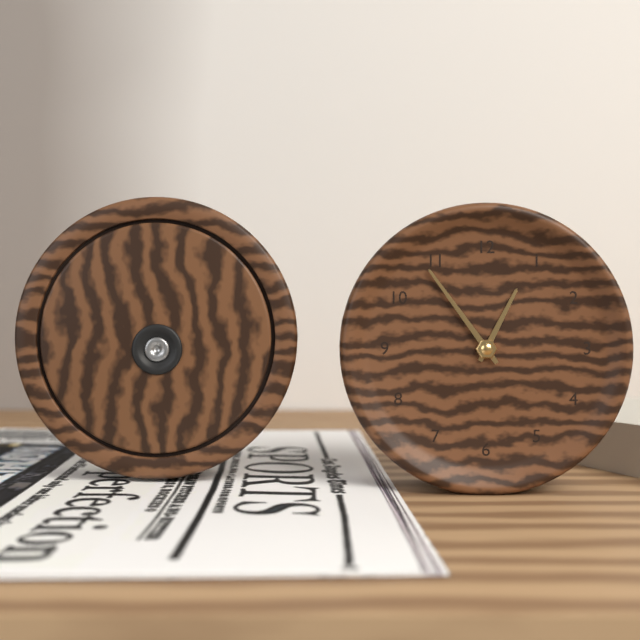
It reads {"hour": 12, "minute": 54}
